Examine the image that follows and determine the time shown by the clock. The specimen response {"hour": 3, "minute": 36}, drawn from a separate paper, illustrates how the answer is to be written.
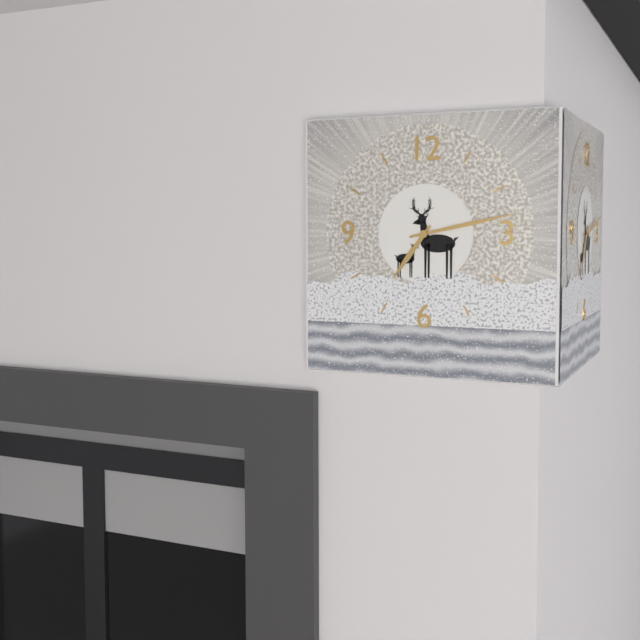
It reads {"hour": 7, "minute": 13}
